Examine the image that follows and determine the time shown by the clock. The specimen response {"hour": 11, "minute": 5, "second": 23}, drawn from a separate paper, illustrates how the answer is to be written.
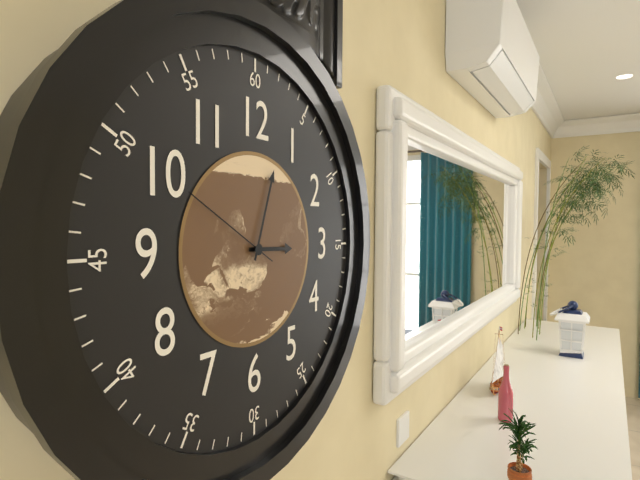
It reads {"hour": 3, "minute": 3, "second": 50}
